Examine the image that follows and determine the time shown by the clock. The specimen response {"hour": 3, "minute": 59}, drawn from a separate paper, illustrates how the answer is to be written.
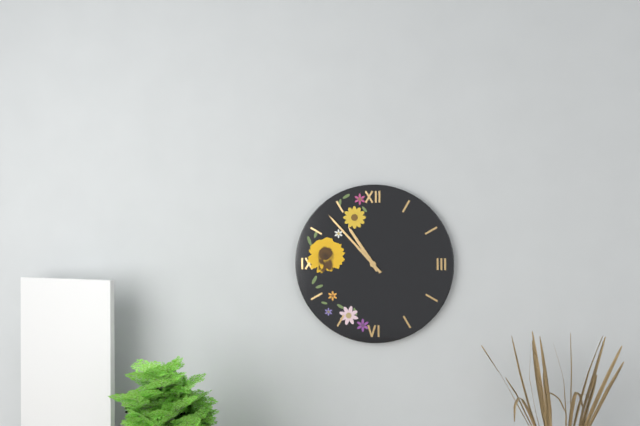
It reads {"hour": 10, "minute": 53}
